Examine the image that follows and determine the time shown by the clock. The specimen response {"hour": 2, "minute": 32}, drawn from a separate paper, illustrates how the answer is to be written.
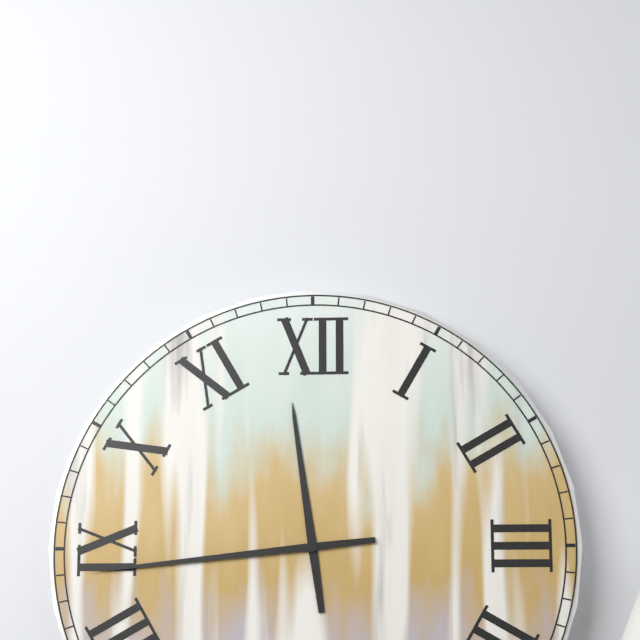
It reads {"hour": 11, "minute": 44}
